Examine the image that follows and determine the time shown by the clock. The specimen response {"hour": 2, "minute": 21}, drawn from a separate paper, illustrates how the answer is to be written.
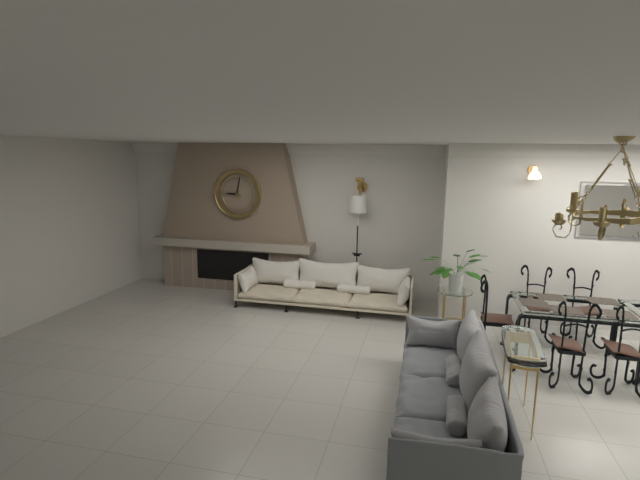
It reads {"hour": 9, "minute": 2}
